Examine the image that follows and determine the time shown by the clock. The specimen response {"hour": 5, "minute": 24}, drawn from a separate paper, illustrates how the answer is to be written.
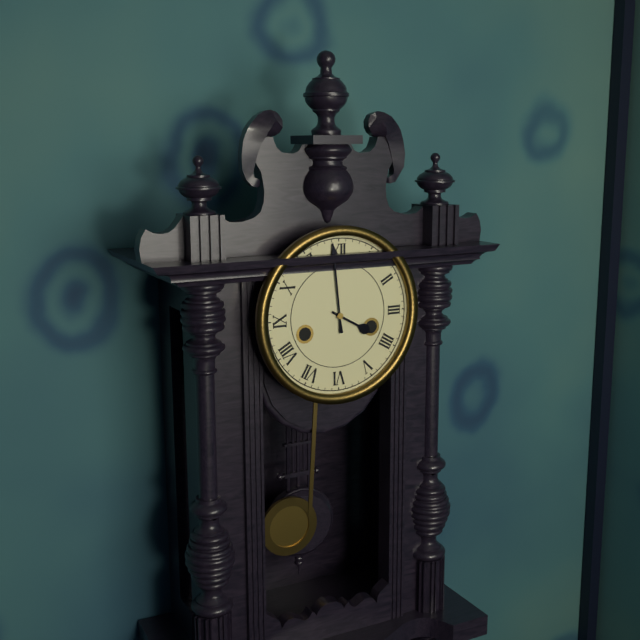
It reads {"hour": 3, "minute": 59}
